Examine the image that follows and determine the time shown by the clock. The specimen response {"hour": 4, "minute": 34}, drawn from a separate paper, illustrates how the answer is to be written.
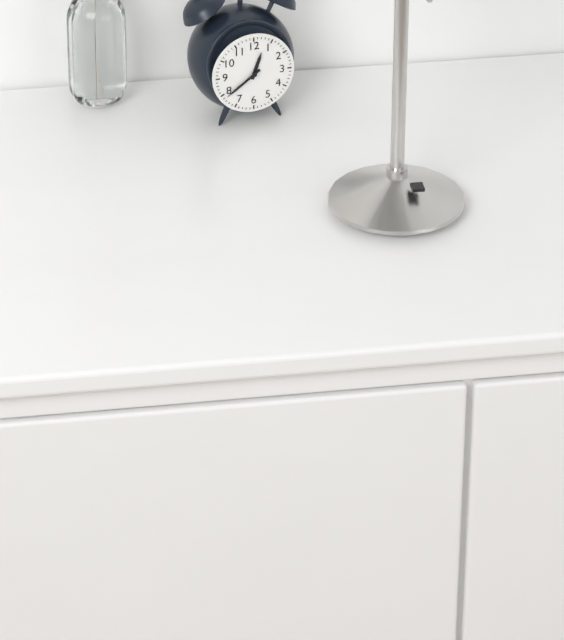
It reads {"hour": 12, "minute": 39}
